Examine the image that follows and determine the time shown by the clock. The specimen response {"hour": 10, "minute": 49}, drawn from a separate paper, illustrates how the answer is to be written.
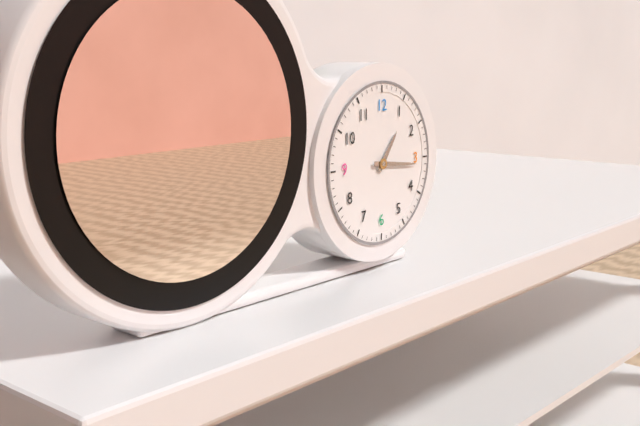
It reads {"hour": 1, "minute": 16}
